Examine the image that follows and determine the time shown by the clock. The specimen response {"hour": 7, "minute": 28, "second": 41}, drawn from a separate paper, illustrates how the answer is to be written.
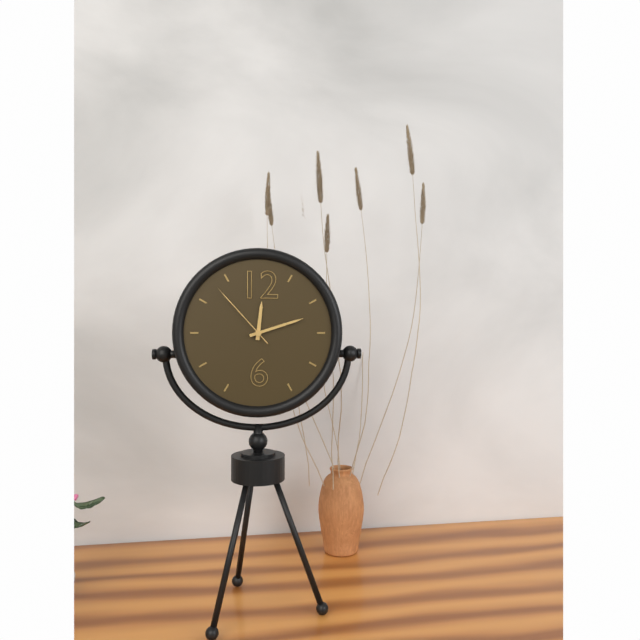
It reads {"hour": 12, "minute": 12, "second": 53}
